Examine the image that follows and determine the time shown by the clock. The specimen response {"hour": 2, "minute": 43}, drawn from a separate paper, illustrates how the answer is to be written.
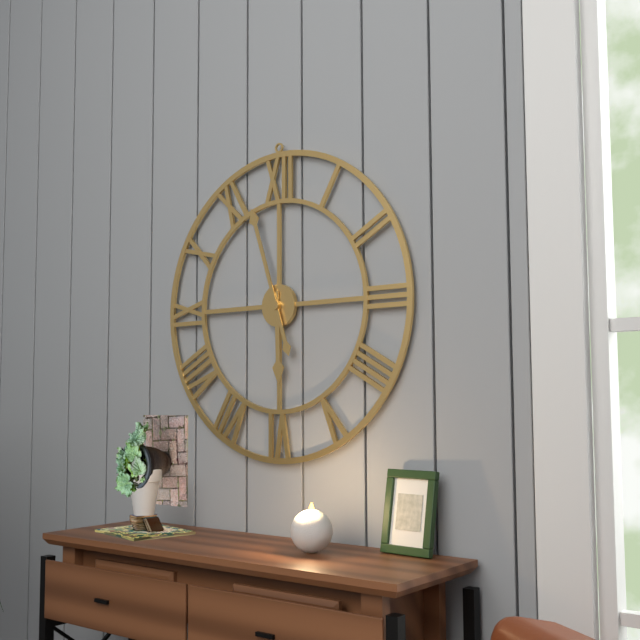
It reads {"hour": 5, "minute": 57}
